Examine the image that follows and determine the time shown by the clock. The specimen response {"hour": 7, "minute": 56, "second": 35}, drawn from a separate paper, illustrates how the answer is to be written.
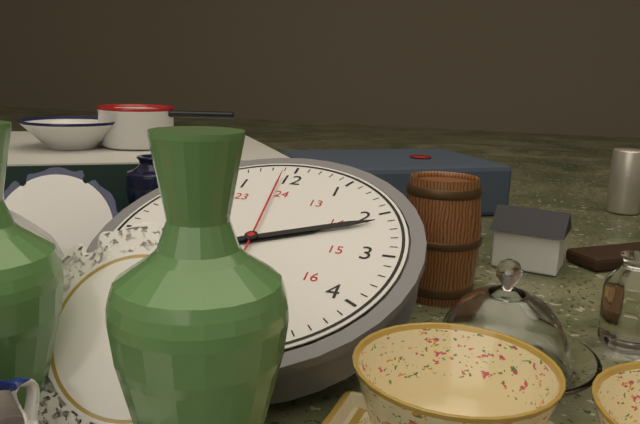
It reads {"hour": 2, "minute": 11, "second": 59}
